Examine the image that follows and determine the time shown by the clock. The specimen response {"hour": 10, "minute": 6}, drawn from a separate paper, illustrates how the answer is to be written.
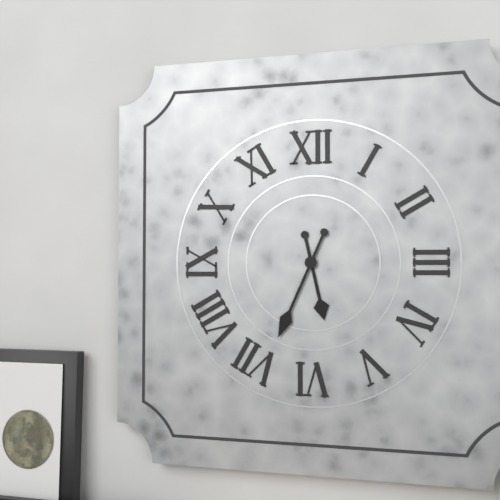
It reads {"hour": 5, "minute": 34}
